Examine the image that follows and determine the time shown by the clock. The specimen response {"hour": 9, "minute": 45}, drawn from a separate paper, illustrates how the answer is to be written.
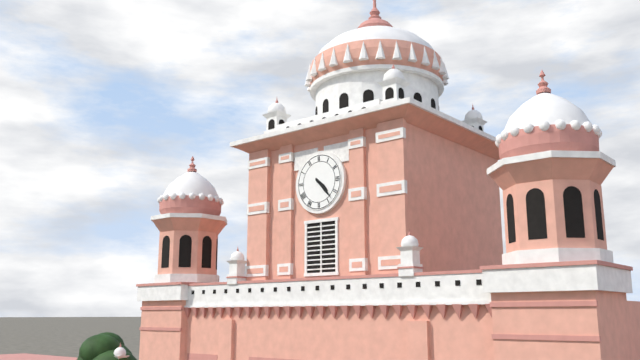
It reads {"hour": 4, "minute": 23}
